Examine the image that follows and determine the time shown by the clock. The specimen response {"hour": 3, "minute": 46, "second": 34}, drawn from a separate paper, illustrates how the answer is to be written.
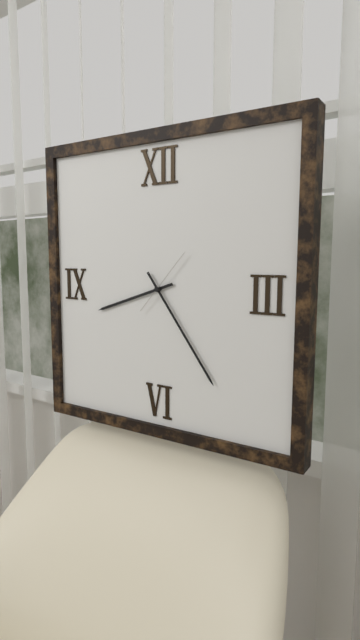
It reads {"hour": 8, "minute": 24, "second": 7}
